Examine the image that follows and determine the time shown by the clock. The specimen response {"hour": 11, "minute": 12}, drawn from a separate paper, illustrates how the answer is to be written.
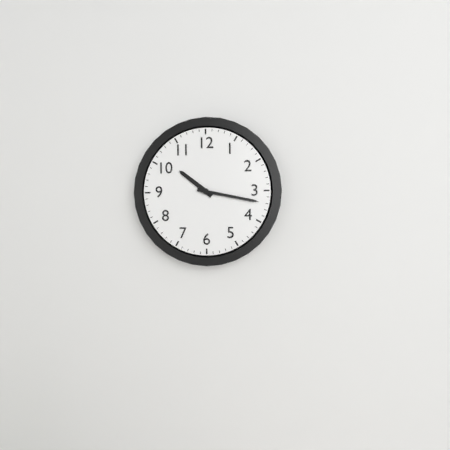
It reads {"hour": 10, "minute": 17}
